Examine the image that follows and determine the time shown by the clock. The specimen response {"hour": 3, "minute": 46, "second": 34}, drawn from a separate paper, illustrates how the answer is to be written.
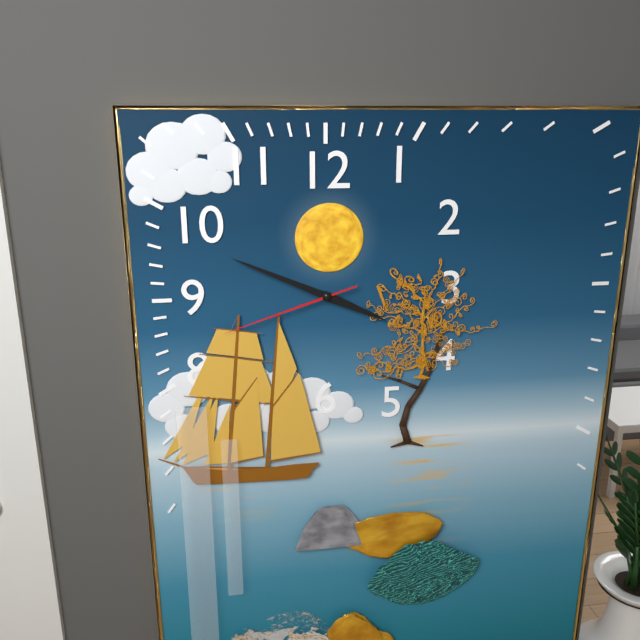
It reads {"hour": 3, "minute": 49, "second": 42}
